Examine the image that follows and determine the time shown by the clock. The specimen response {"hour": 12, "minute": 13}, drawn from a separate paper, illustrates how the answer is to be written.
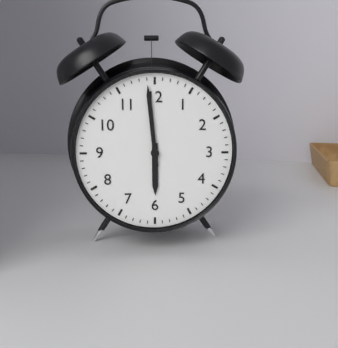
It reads {"hour": 5, "minute": 59}
